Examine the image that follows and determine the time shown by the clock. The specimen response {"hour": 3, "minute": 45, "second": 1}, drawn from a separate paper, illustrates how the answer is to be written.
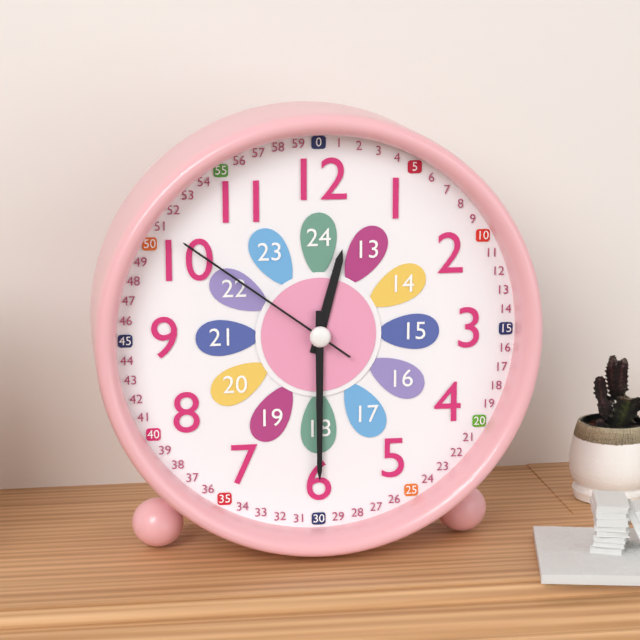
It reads {"hour": 12, "minute": 30, "second": 51}
